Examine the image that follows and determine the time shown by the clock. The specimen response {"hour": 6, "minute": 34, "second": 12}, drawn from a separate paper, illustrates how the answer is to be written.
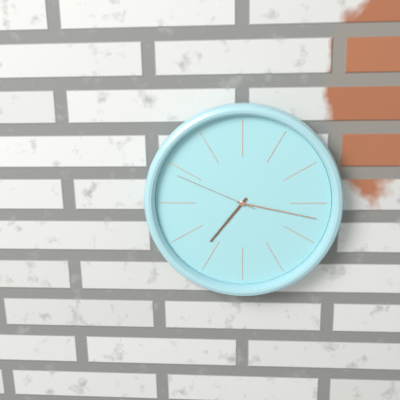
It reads {"hour": 7, "minute": 17, "second": 49}
